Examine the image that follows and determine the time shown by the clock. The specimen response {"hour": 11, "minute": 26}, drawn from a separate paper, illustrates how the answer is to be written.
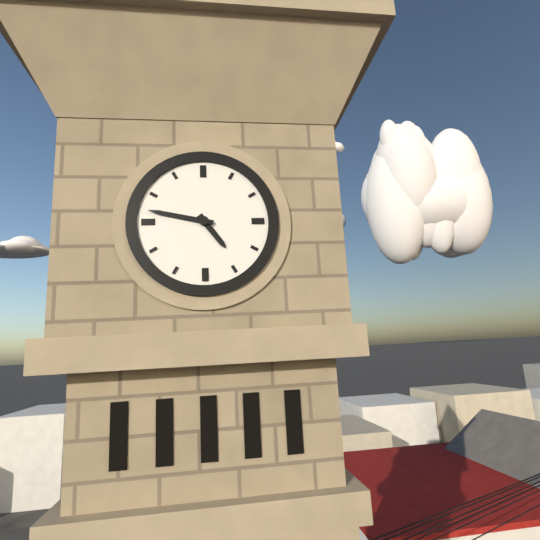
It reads {"hour": 4, "minute": 47}
